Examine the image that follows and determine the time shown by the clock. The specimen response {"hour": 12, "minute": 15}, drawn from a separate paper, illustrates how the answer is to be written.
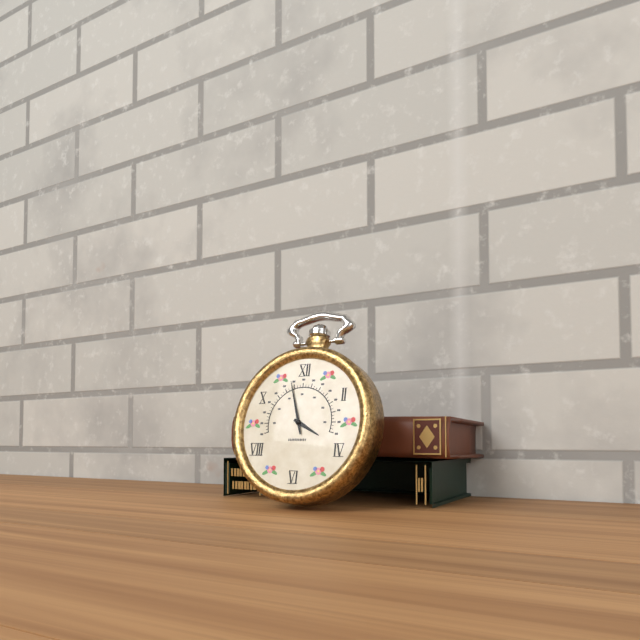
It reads {"hour": 3, "minute": 57}
